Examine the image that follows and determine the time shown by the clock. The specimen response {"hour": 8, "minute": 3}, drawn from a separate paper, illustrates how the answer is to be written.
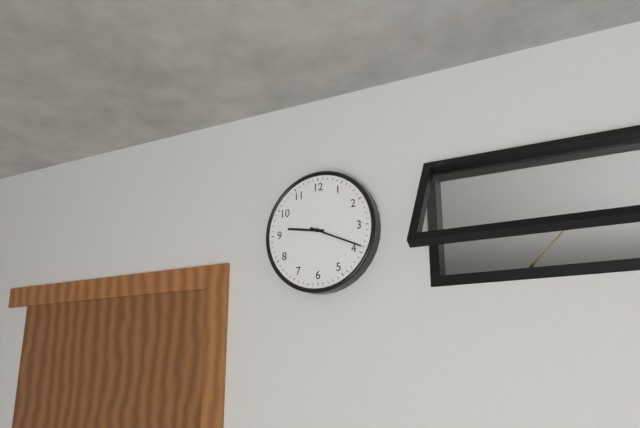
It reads {"hour": 9, "minute": 19}
